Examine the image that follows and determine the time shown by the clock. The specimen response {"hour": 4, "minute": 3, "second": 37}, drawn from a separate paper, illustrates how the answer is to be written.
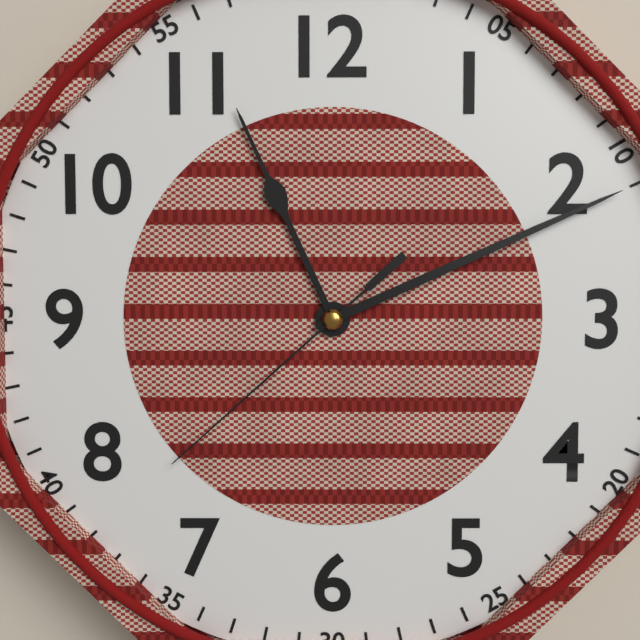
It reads {"hour": 11, "minute": 11, "second": 38}
